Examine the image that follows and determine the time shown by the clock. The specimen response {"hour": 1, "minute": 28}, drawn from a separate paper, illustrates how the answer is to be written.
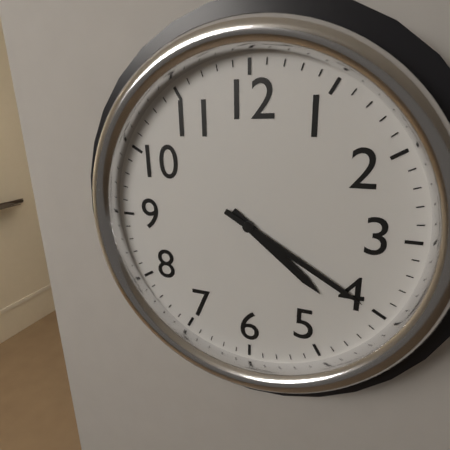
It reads {"hour": 4, "minute": 20}
